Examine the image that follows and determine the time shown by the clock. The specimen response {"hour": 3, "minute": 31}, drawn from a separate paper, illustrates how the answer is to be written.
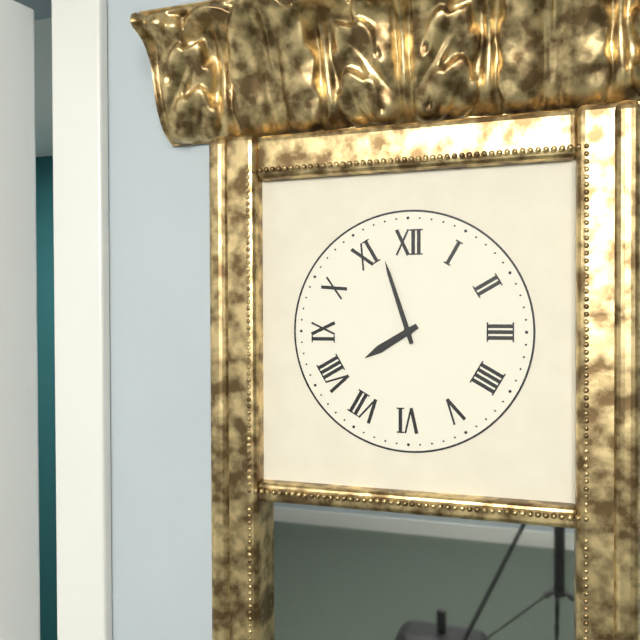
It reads {"hour": 7, "minute": 57}
